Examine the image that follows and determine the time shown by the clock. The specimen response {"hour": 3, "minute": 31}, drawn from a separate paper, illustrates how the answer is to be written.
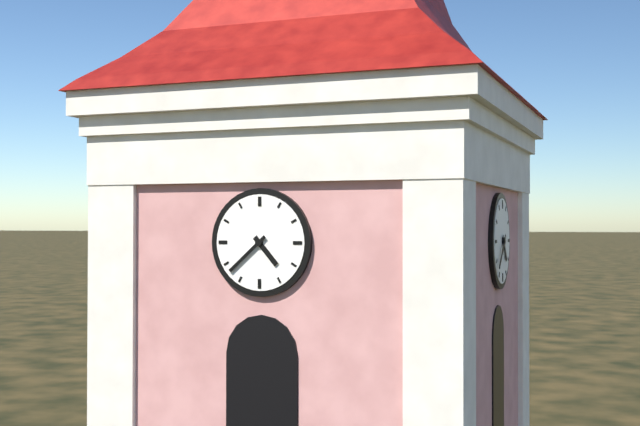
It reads {"hour": 4, "minute": 38}
